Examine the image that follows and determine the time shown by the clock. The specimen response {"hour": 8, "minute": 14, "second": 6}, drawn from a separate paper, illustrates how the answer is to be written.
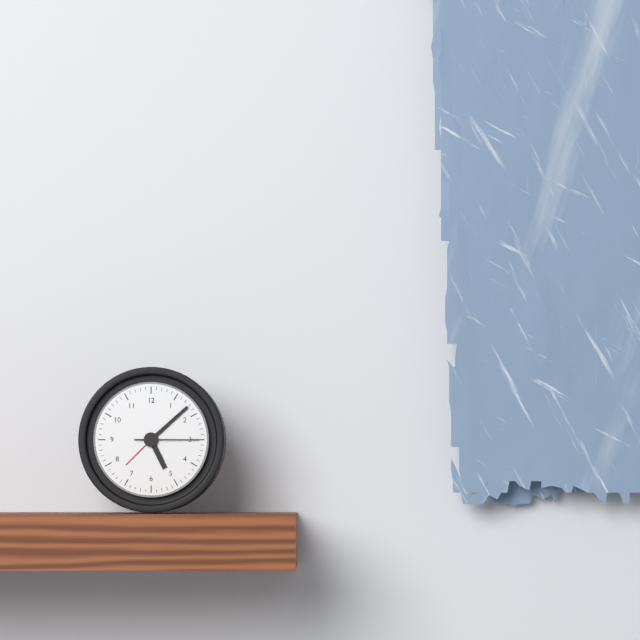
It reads {"hour": 5, "minute": 8, "second": 15}
